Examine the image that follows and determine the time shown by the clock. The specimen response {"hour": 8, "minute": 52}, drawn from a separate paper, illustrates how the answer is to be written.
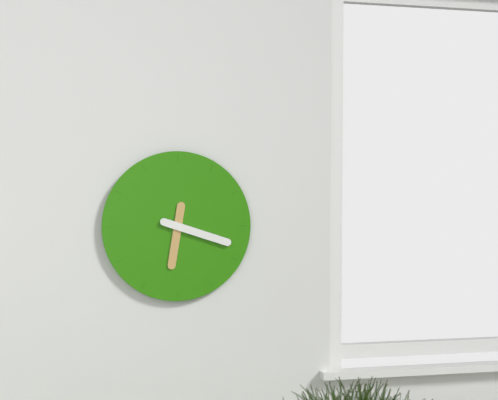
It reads {"hour": 6, "minute": 18}
